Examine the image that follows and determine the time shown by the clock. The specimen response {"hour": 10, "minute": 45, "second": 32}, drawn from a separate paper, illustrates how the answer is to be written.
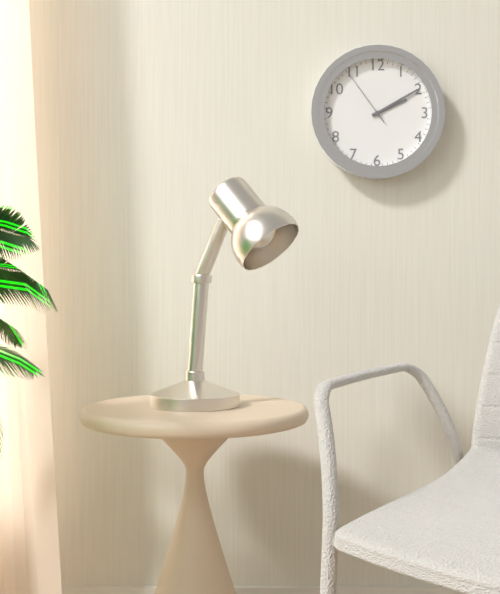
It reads {"hour": 2, "minute": 10, "second": 54}
